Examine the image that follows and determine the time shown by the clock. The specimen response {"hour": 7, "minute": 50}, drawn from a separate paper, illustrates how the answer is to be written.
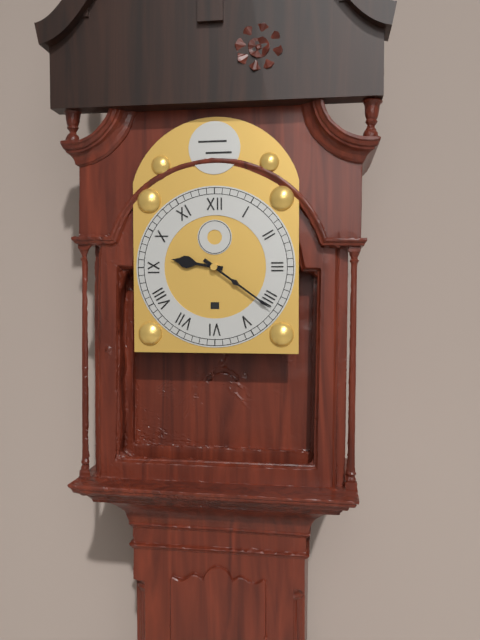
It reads {"hour": 9, "minute": 21}
